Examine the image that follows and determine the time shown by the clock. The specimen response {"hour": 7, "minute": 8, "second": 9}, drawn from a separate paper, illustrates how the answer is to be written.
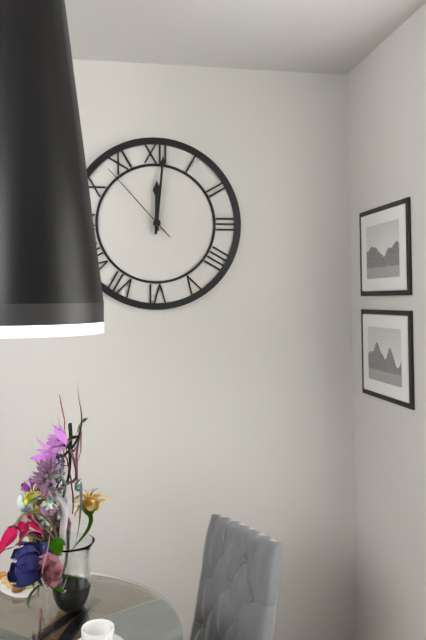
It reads {"hour": 12, "minute": 1, "second": 53}
